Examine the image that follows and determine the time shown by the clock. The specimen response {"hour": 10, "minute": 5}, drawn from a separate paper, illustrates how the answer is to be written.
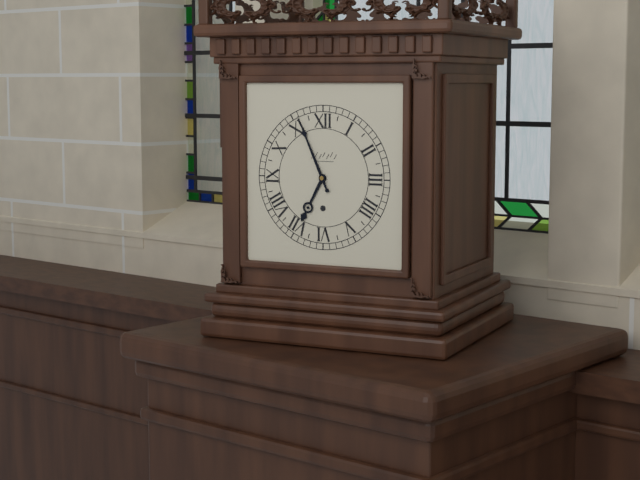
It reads {"hour": 6, "minute": 56}
